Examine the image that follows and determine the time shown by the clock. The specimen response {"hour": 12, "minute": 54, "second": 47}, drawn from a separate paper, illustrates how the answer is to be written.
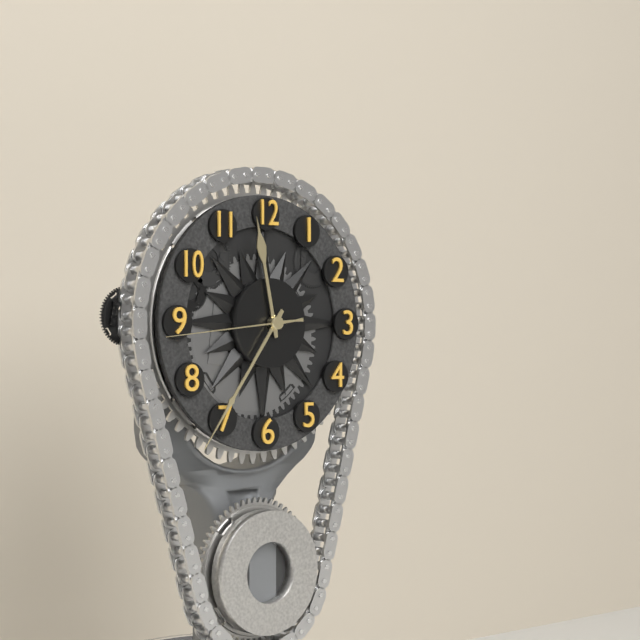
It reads {"hour": 11, "minute": 36, "second": 44}
